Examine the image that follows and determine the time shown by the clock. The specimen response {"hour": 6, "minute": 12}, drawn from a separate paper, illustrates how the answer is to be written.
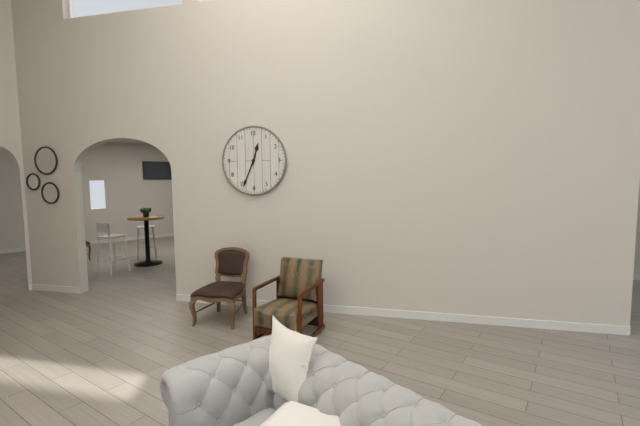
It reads {"hour": 12, "minute": 34}
